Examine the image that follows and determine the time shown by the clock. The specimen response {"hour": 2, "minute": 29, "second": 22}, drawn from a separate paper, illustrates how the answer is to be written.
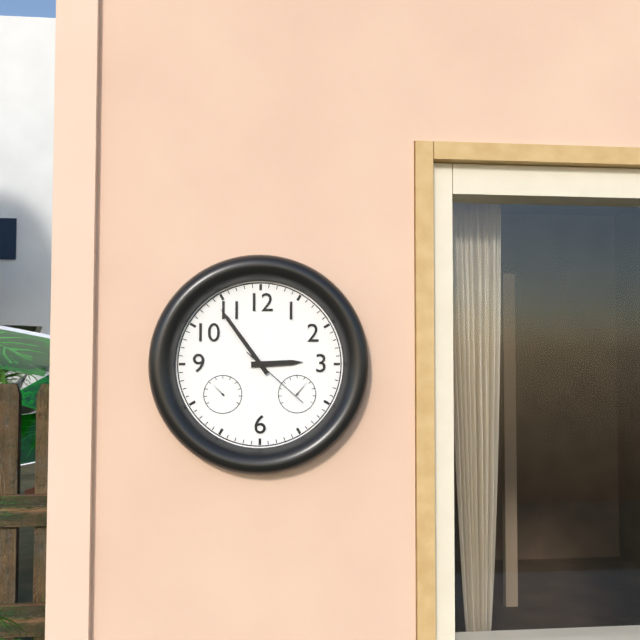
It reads {"hour": 2, "minute": 54, "second": 22}
